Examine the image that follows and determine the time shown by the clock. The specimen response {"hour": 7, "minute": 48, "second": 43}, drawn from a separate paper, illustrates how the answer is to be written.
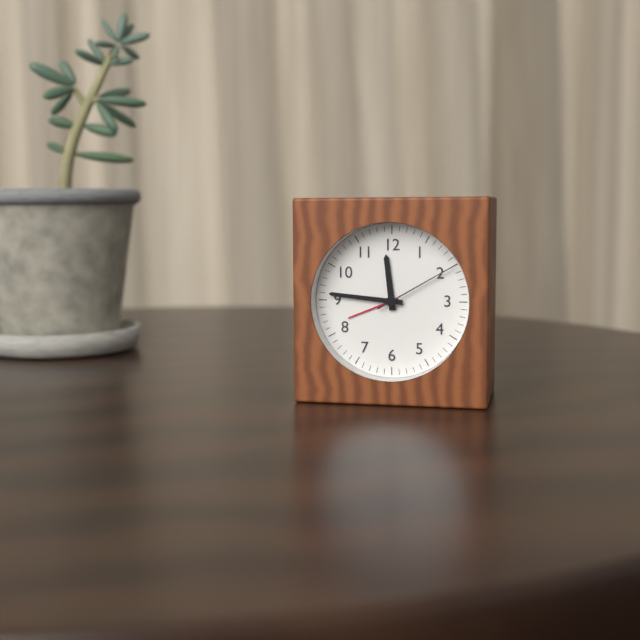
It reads {"hour": 11, "minute": 46, "second": 10}
